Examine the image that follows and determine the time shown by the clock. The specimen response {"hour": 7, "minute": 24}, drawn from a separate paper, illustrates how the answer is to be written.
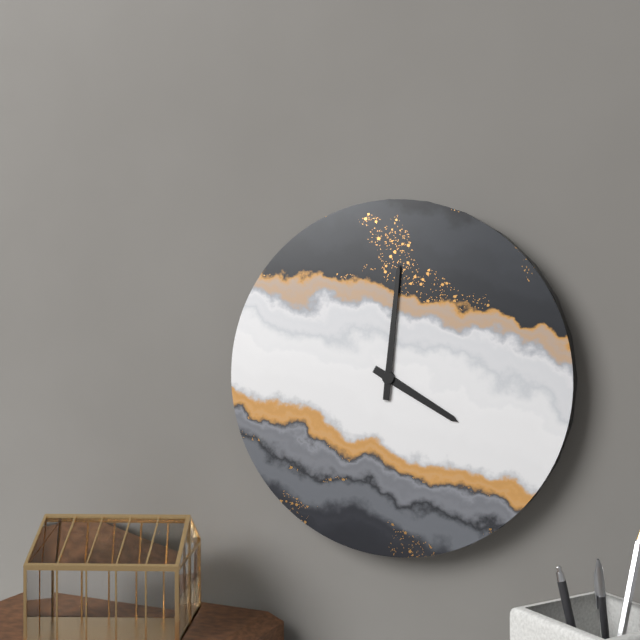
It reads {"hour": 4, "minute": 1}
